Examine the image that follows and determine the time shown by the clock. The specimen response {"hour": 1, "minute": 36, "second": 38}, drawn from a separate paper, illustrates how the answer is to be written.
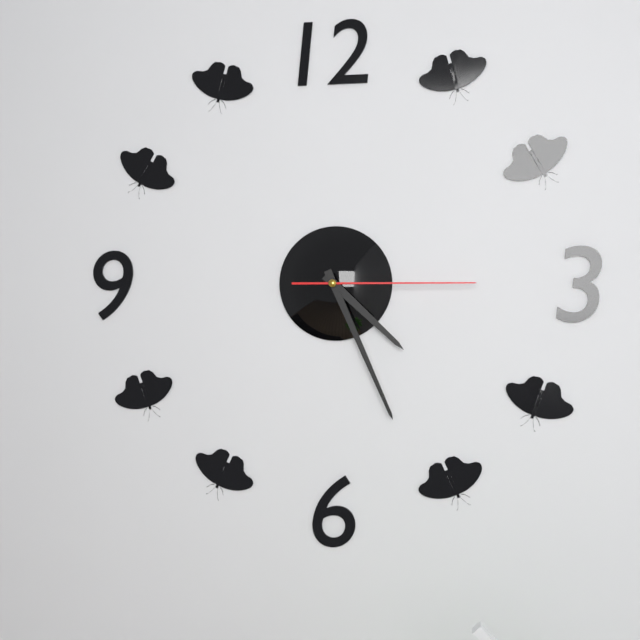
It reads {"hour": 4, "minute": 26, "second": 15}
